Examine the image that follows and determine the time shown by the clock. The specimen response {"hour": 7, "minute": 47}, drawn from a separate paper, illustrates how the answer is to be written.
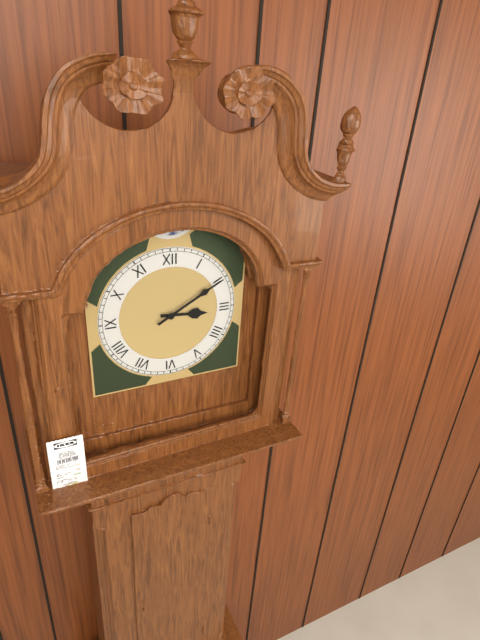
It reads {"hour": 3, "minute": 10}
